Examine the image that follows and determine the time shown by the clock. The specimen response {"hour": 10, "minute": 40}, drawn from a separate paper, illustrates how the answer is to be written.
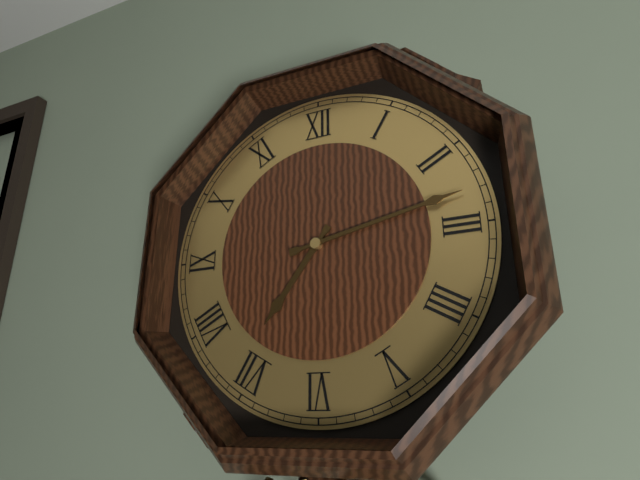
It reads {"hour": 7, "minute": 13}
